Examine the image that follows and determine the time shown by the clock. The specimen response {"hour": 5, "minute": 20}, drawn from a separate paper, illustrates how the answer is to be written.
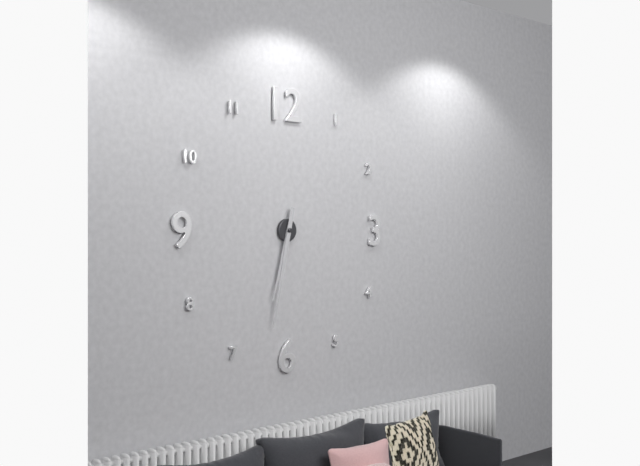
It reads {"hour": 6, "minute": 32}
